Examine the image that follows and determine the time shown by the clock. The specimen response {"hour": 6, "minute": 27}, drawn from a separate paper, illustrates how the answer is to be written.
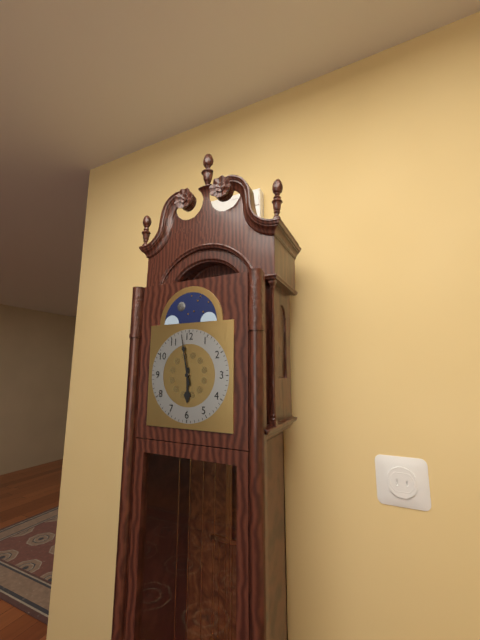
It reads {"hour": 5, "minute": 58}
